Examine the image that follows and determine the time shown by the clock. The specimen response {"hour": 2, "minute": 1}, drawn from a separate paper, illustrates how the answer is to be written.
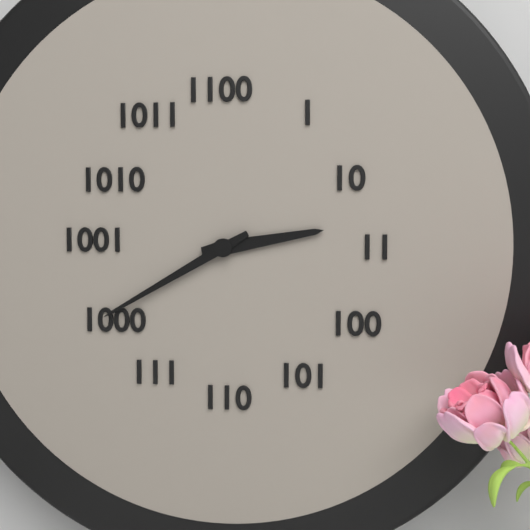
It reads {"hour": 2, "minute": 40}
